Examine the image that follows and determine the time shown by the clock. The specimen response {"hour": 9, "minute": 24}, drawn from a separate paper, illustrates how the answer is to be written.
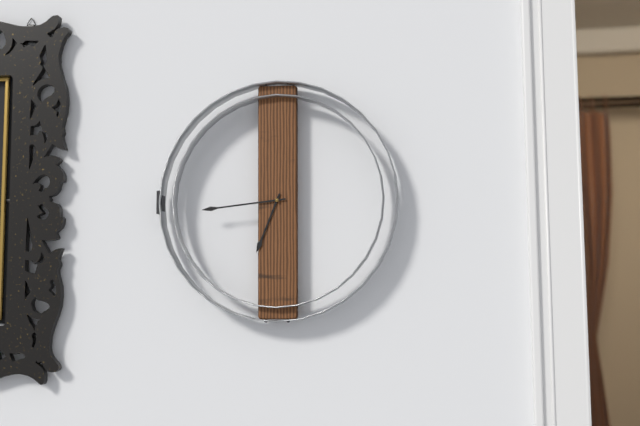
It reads {"hour": 6, "minute": 44}
